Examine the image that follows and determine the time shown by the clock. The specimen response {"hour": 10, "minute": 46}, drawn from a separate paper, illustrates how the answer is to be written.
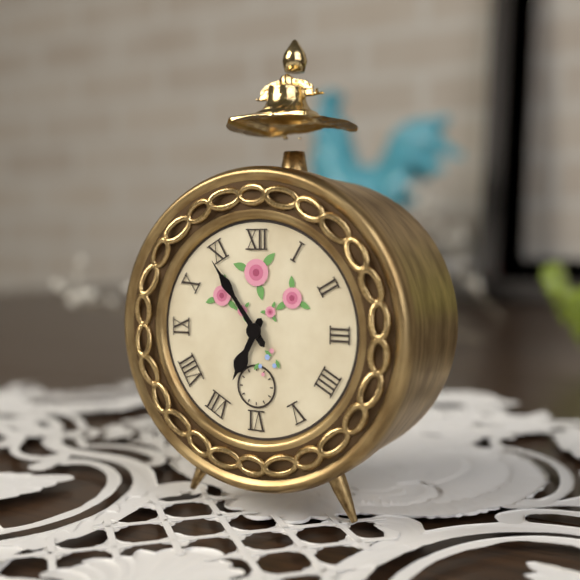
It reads {"hour": 6, "minute": 54}
